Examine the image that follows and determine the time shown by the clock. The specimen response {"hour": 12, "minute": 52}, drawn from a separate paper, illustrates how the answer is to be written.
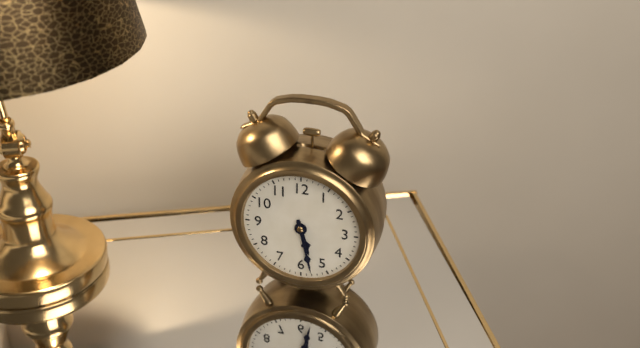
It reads {"hour": 5, "minute": 28}
